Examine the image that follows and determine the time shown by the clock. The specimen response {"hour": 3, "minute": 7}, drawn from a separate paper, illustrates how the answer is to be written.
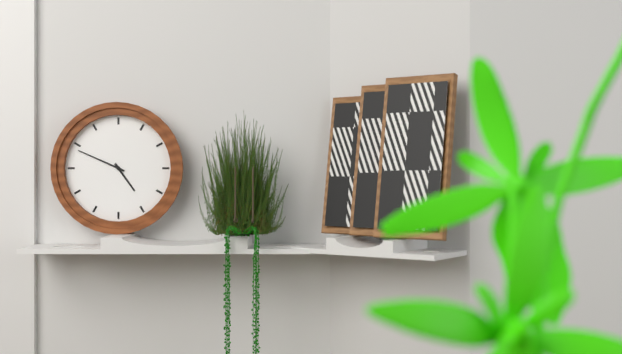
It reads {"hour": 4, "minute": 49}
